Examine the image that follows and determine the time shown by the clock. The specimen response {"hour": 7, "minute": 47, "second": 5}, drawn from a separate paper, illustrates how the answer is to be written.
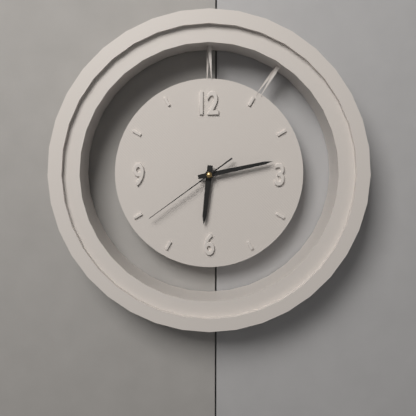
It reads {"hour": 6, "minute": 13, "second": 39}
